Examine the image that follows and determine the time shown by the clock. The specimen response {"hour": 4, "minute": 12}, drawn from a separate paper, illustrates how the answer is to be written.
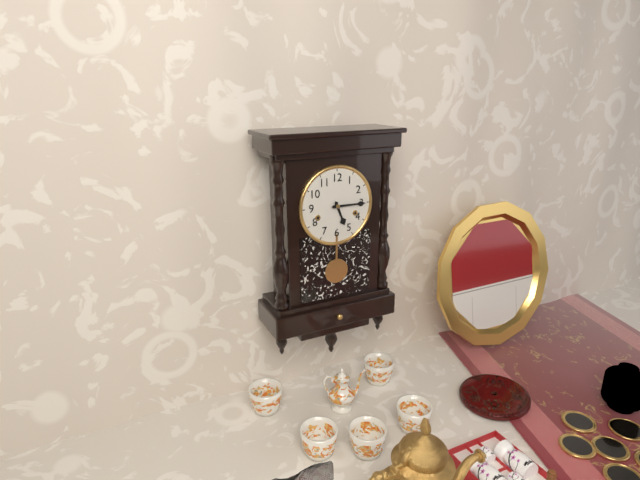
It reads {"hour": 5, "minute": 15}
